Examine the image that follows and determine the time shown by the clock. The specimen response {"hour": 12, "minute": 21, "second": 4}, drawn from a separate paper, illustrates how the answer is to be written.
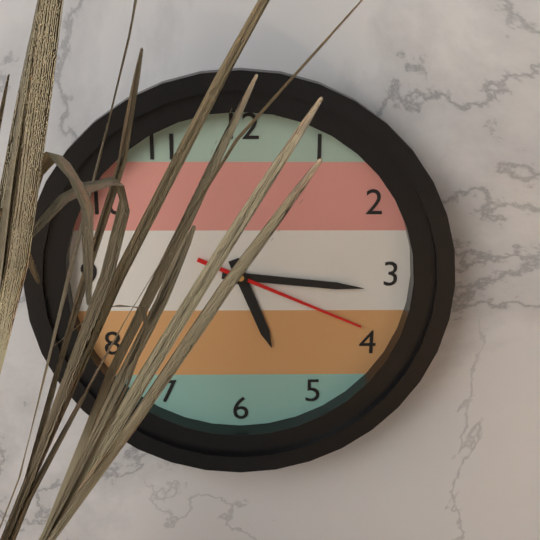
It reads {"hour": 5, "minute": 16, "second": 19}
